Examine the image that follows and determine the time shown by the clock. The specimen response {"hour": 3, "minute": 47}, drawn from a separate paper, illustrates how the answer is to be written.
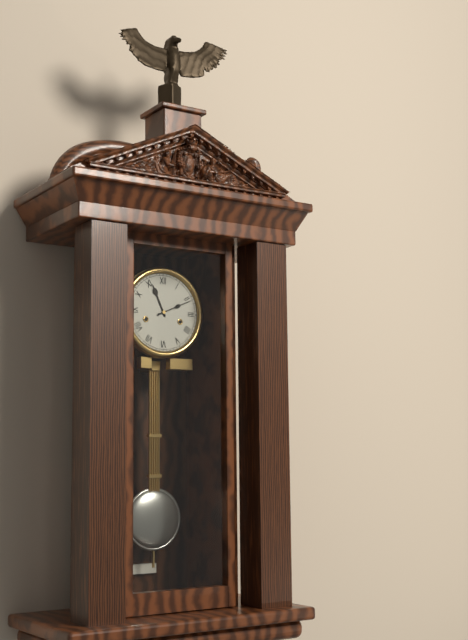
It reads {"hour": 11, "minute": 11}
